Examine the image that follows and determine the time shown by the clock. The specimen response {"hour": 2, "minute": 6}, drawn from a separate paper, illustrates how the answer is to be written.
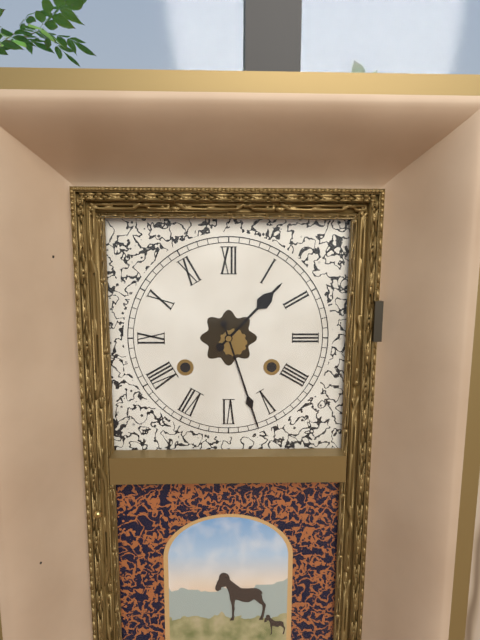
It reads {"hour": 1, "minute": 27}
